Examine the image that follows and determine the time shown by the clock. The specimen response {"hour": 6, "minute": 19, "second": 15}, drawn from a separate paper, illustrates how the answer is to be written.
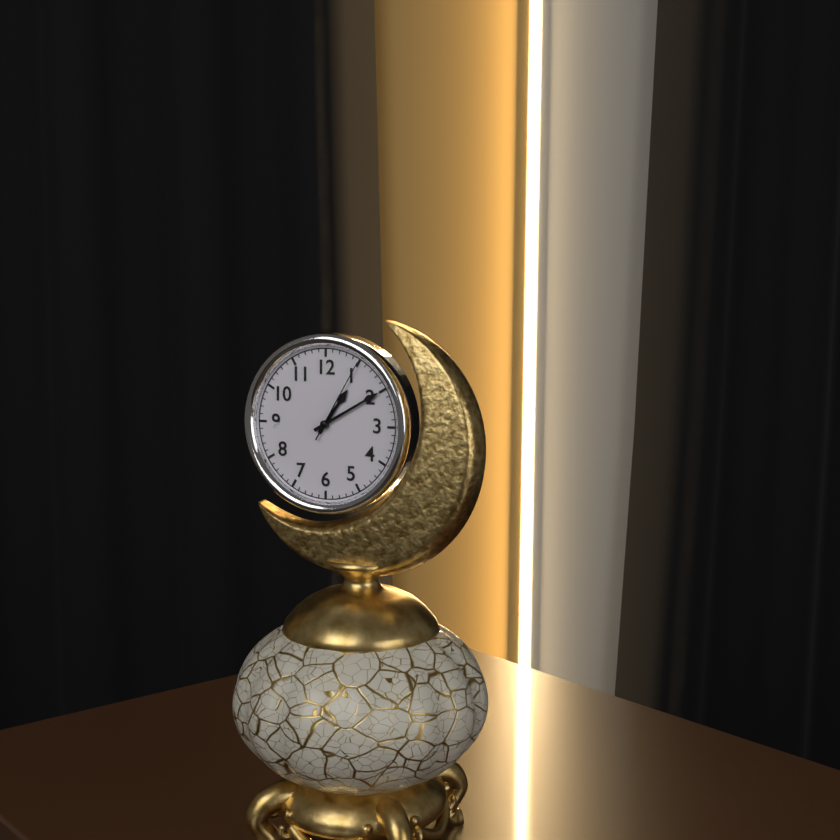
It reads {"hour": 1, "minute": 10, "second": 5}
